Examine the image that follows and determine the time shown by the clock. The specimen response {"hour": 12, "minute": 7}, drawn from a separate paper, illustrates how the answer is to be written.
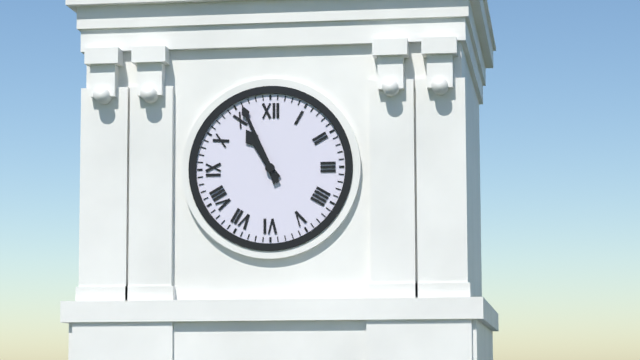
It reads {"hour": 10, "minute": 56}
